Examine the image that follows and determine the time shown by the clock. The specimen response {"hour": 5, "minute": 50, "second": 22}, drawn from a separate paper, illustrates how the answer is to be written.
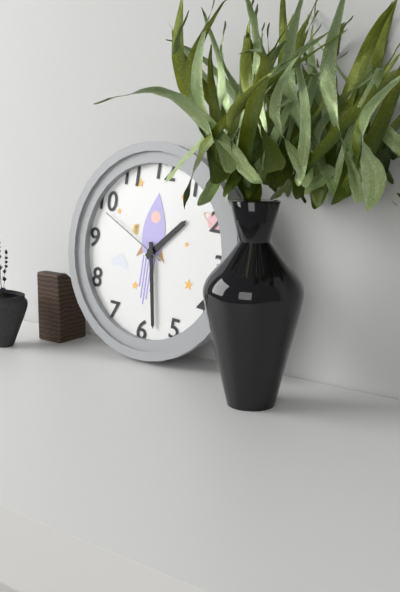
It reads {"hour": 1, "minute": 28, "second": 49}
